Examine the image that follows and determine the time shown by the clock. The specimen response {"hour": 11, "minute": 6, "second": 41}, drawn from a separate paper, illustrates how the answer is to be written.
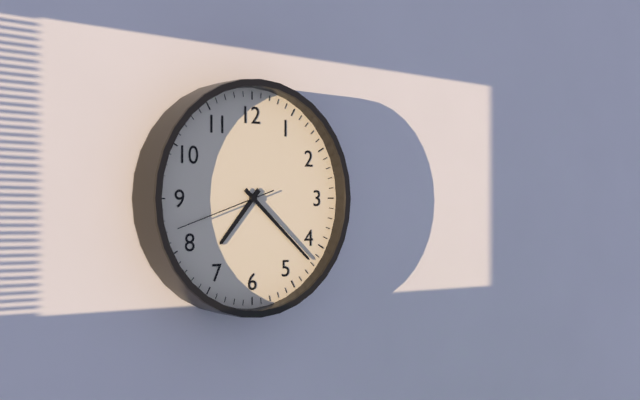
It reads {"hour": 7, "minute": 22, "second": 42}
